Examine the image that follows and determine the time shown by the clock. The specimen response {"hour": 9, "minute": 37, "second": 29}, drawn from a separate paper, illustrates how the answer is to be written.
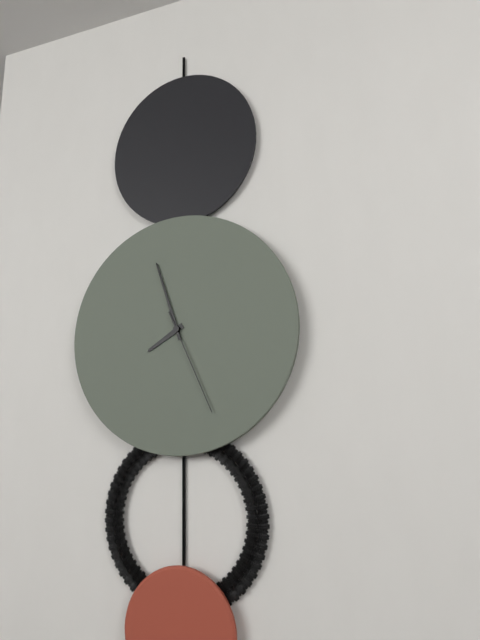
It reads {"hour": 7, "minute": 57, "second": 26}
